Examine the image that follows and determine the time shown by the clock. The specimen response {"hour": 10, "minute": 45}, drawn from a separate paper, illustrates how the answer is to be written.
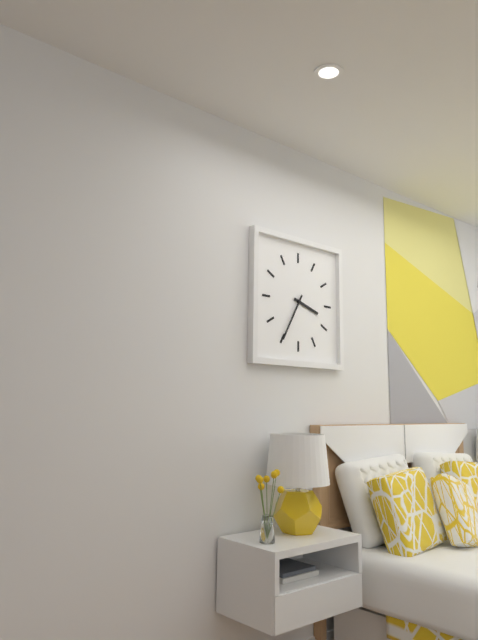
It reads {"hour": 3, "minute": 35}
